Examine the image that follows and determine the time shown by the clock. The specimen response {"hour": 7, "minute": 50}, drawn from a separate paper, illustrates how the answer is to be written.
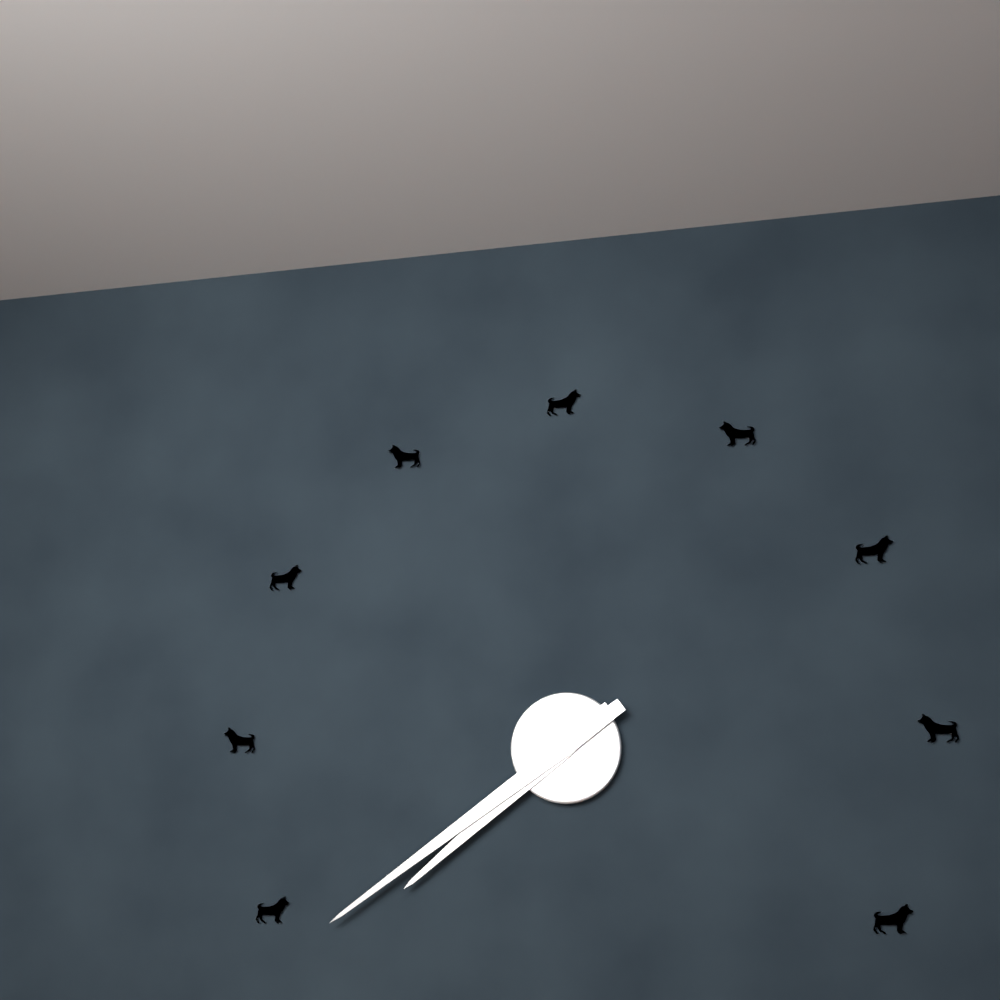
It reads {"hour": 7, "minute": 39}
